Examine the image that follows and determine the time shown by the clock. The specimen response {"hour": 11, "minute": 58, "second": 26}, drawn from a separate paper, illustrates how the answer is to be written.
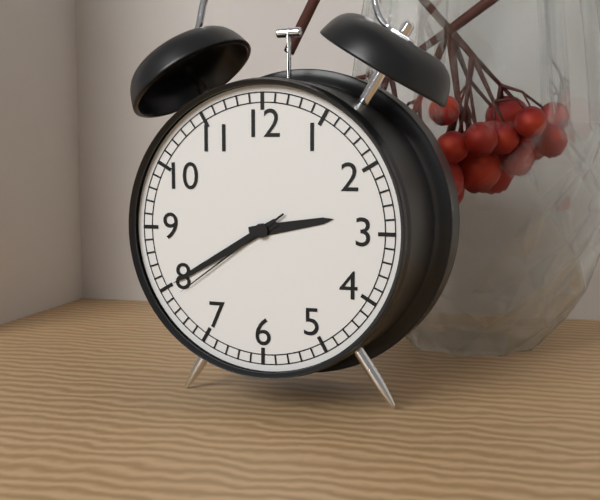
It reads {"hour": 2, "minute": 40, "second": 39}
